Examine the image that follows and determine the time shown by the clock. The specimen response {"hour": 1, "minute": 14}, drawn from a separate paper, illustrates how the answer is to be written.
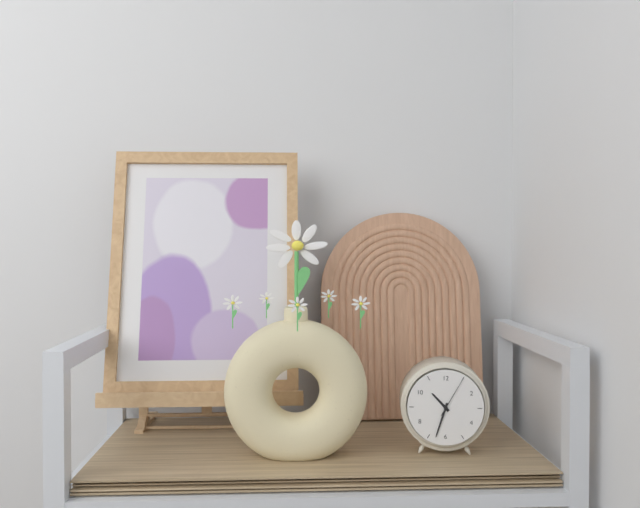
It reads {"hour": 10, "minute": 33}
